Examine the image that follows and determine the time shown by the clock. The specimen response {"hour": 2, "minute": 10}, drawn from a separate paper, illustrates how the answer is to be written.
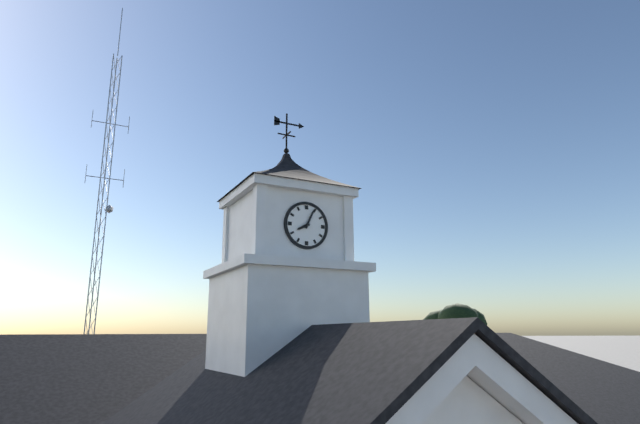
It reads {"hour": 8, "minute": 4}
